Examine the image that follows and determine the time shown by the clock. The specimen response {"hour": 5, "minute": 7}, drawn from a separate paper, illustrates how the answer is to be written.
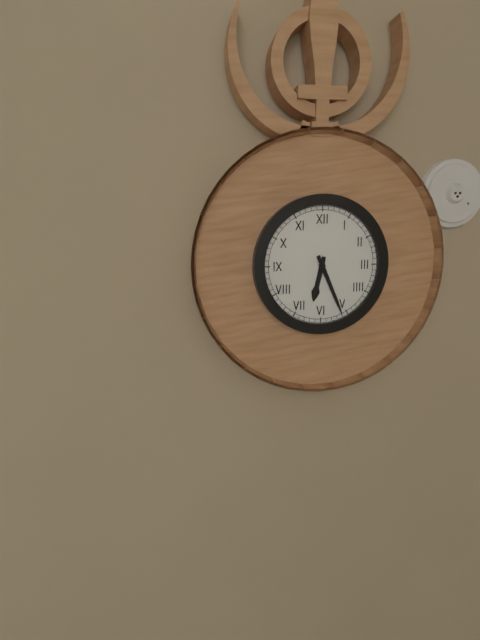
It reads {"hour": 6, "minute": 26}
